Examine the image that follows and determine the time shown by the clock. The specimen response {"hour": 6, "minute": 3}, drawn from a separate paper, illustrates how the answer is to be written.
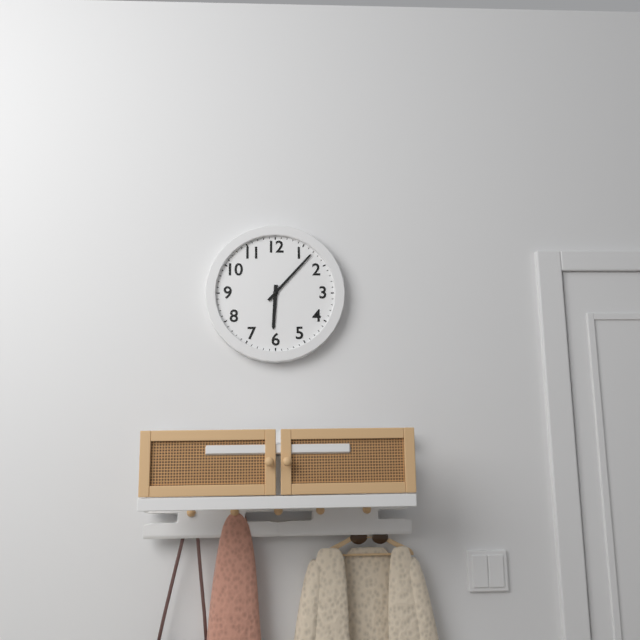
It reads {"hour": 6, "minute": 7}
